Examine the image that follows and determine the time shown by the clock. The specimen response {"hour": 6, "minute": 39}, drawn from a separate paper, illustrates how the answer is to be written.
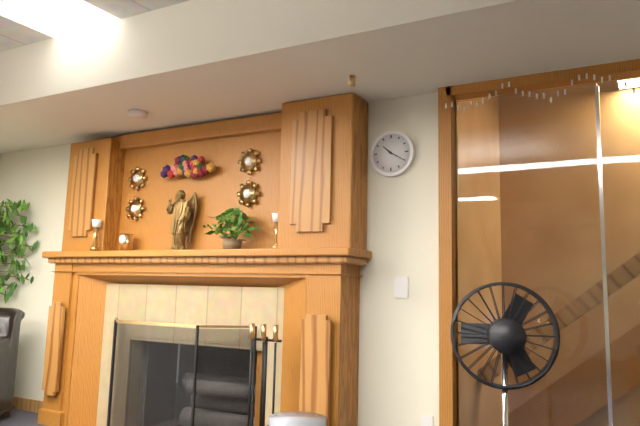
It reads {"hour": 10, "minute": 20}
